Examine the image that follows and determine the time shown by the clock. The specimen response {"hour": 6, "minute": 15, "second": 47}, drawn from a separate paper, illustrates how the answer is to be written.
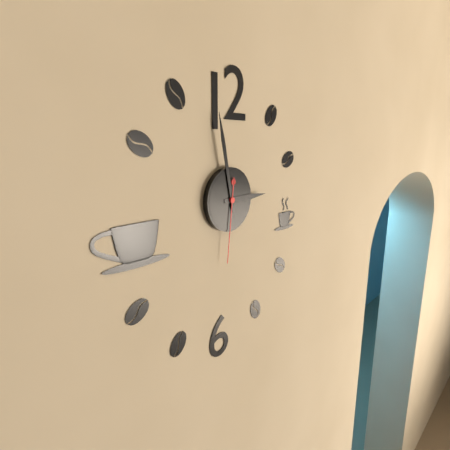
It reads {"hour": 2, "minute": 58, "second": 31}
